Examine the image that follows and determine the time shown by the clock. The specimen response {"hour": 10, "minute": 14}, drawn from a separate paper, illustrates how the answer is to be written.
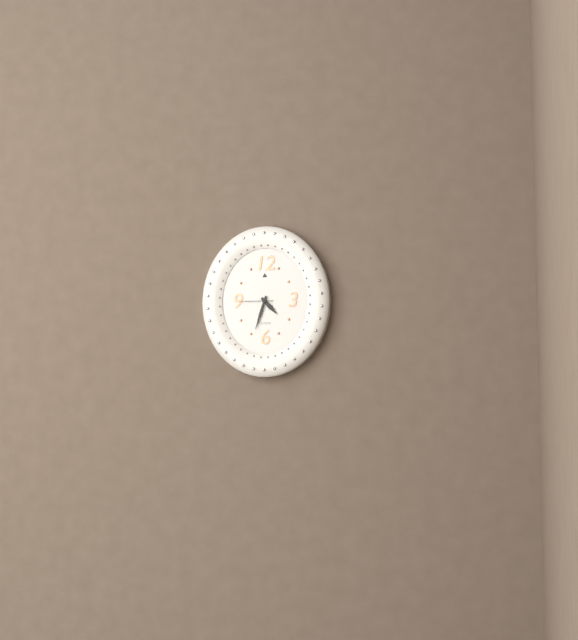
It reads {"hour": 4, "minute": 33}
